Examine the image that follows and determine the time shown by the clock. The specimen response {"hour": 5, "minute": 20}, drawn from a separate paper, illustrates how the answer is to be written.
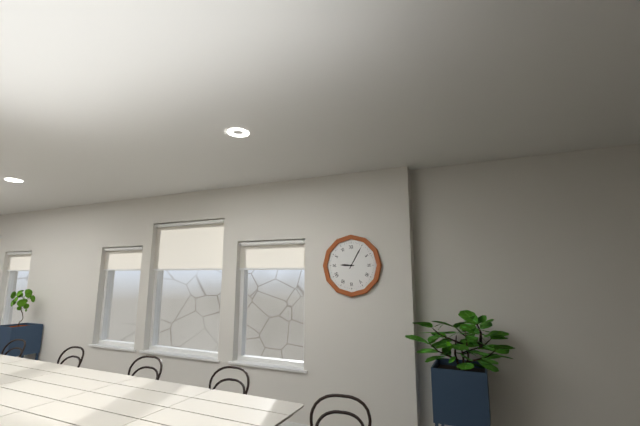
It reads {"hour": 9, "minute": 5}
